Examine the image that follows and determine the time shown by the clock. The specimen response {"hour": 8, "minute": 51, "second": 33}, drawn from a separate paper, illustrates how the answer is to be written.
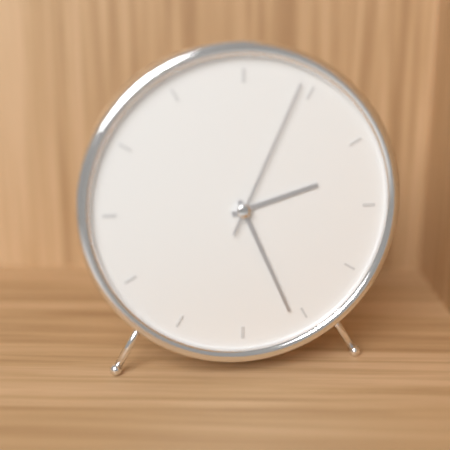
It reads {"hour": 2, "minute": 26, "second": 4}
